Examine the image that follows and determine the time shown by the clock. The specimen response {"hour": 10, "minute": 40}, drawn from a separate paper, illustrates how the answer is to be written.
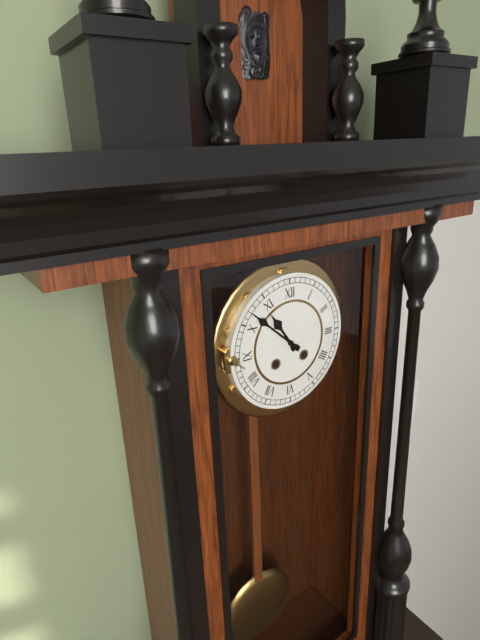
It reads {"hour": 10, "minute": 52}
